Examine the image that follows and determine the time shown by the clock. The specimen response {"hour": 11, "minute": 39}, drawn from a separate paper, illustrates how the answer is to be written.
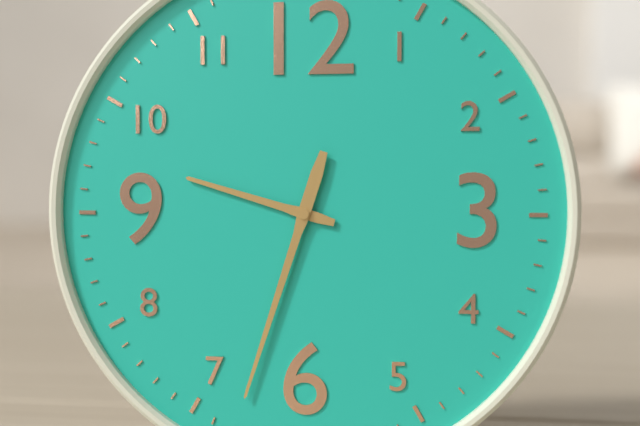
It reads {"hour": 9, "minute": 33}
